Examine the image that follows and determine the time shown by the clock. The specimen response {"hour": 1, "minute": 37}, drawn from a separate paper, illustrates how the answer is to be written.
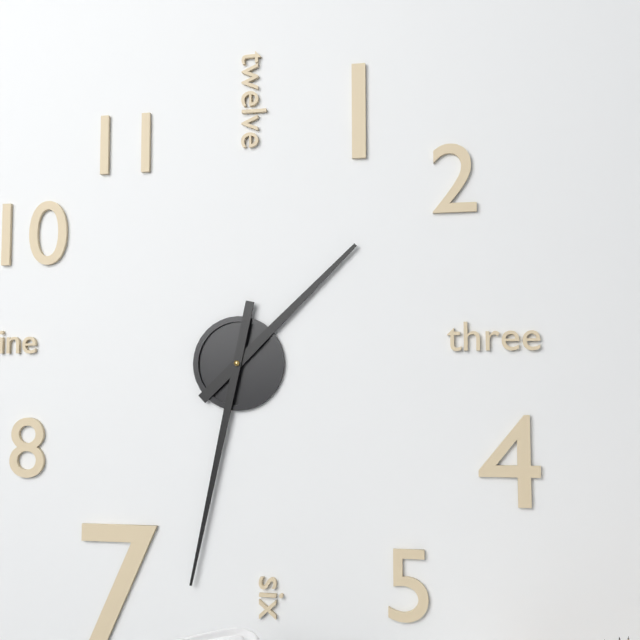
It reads {"hour": 1, "minute": 32}
